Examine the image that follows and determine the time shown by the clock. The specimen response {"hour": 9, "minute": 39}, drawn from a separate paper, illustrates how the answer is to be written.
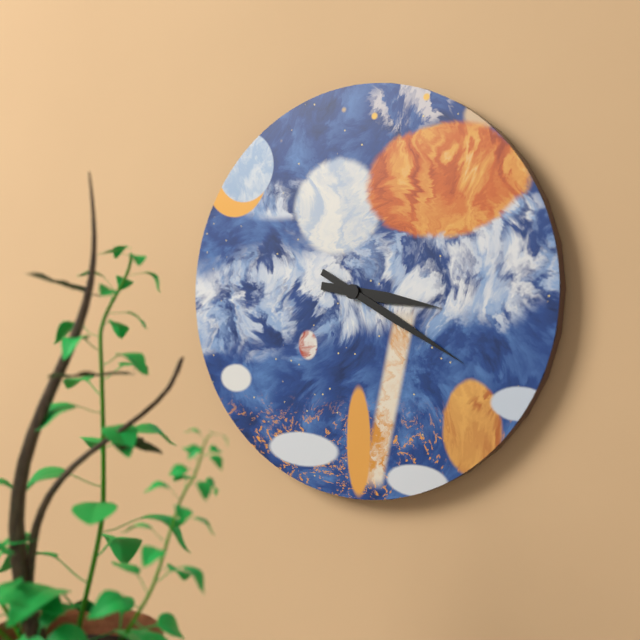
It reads {"hour": 3, "minute": 20}
